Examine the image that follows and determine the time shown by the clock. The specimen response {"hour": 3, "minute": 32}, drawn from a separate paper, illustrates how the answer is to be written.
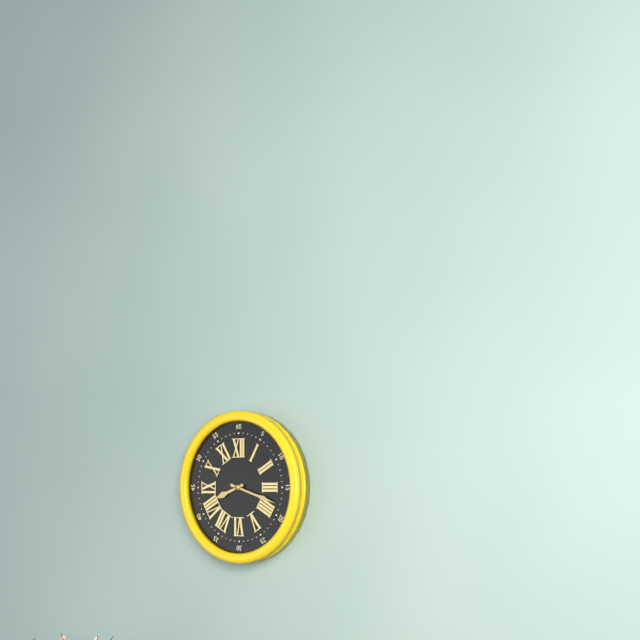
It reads {"hour": 8, "minute": 18}
